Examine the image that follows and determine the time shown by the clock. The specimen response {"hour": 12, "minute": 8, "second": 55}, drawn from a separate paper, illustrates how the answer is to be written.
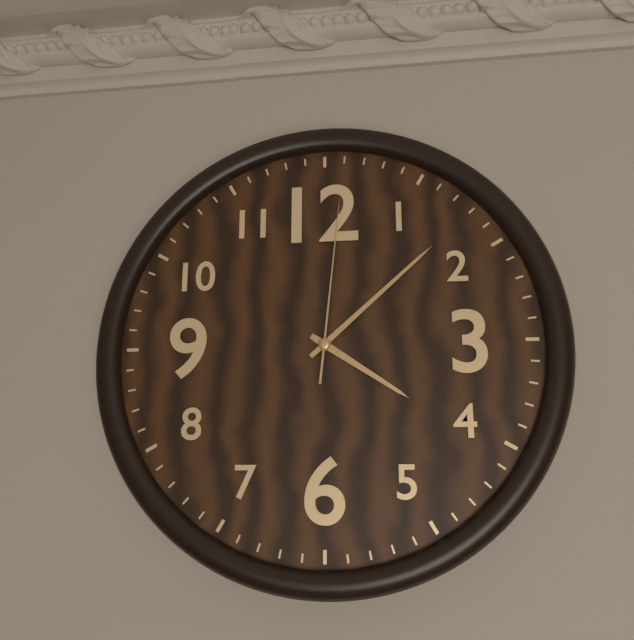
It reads {"hour": 4, "minute": 8, "second": 1}
